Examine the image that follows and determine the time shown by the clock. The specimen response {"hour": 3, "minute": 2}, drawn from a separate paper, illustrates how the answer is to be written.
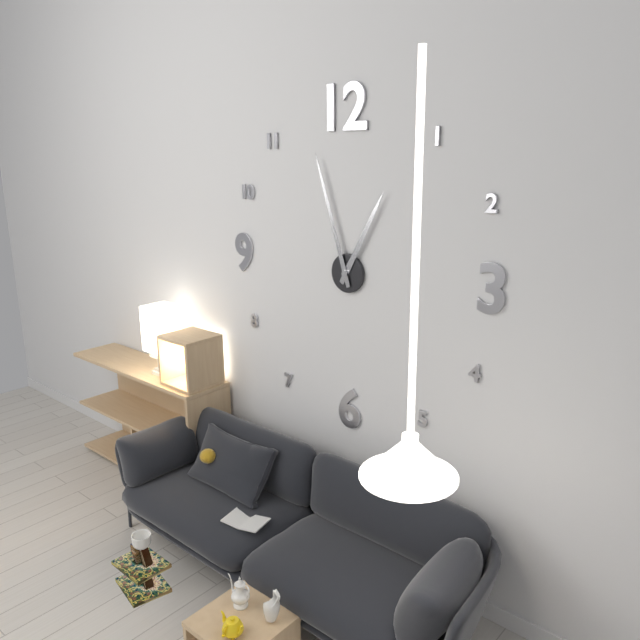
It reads {"hour": 12, "minute": 57}
